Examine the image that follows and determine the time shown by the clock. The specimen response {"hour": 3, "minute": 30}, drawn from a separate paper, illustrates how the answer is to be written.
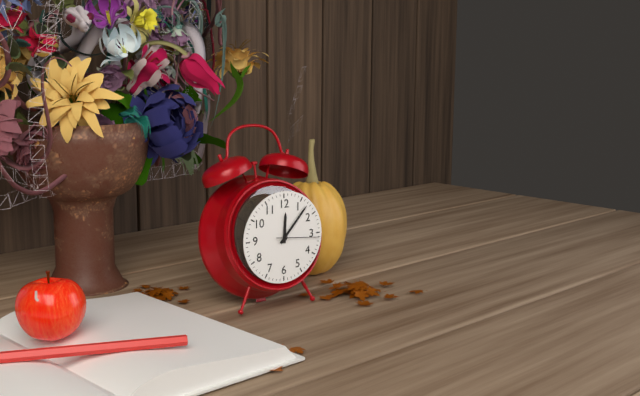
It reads {"hour": 12, "minute": 7}
